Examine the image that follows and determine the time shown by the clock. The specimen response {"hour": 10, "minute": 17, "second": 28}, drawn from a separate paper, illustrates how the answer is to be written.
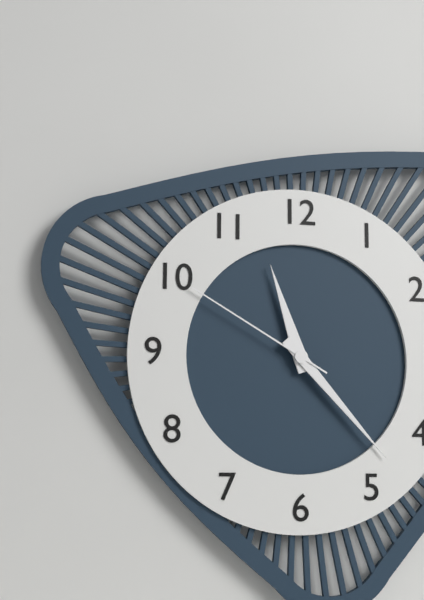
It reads {"hour": 11, "minute": 23, "second": 50}
